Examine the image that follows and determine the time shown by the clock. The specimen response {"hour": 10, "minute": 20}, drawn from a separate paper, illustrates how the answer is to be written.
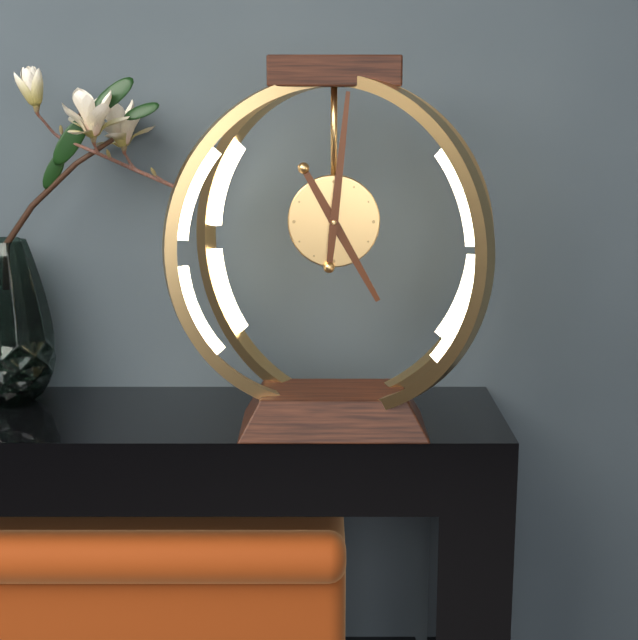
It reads {"hour": 5, "minute": 1}
